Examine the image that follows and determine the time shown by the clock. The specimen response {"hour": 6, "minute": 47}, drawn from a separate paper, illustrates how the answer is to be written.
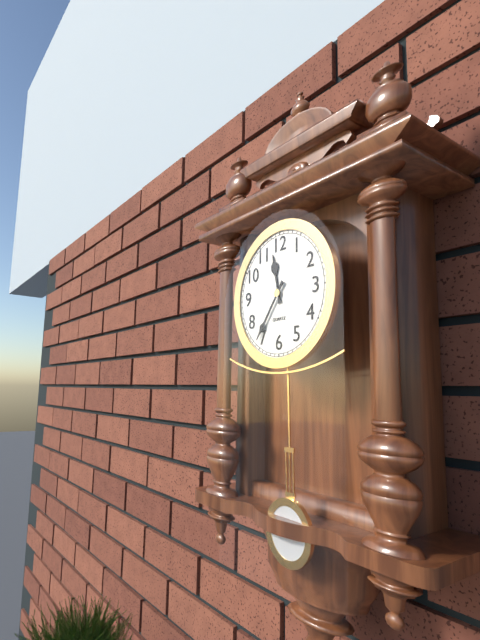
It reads {"hour": 11, "minute": 36}
